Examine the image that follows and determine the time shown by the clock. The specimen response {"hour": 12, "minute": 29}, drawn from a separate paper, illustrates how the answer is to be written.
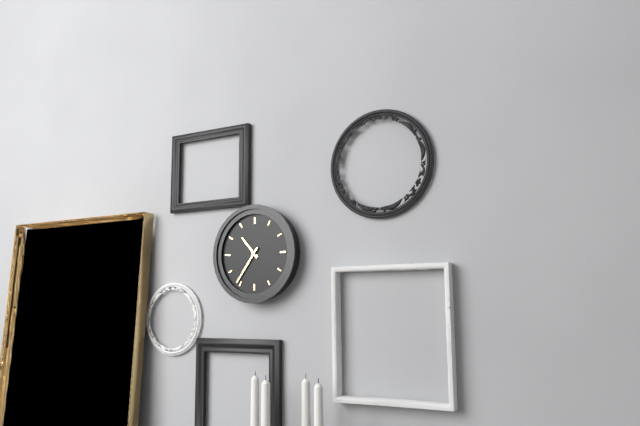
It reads {"hour": 10, "minute": 36}
